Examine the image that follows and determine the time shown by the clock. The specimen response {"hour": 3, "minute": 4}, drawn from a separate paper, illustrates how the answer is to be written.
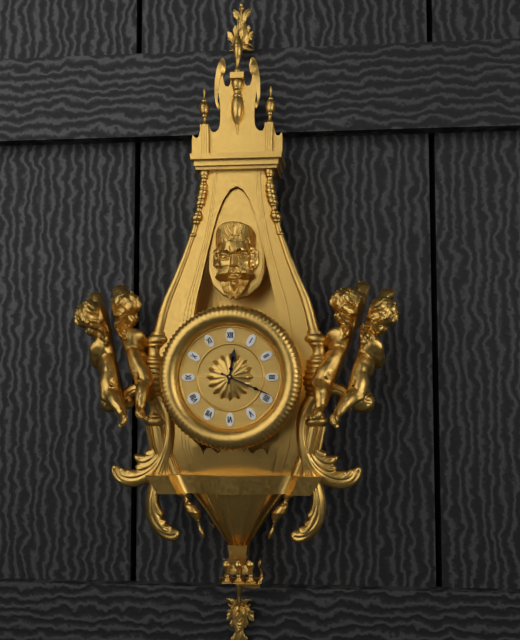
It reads {"hour": 12, "minute": 19}
